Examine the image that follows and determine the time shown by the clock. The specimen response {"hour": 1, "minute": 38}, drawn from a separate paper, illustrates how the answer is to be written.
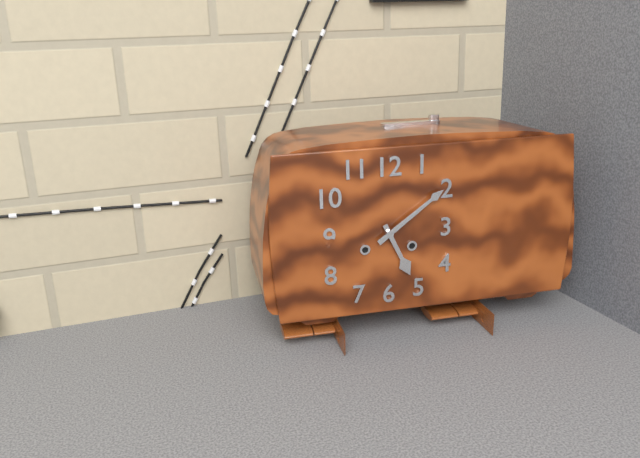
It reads {"hour": 5, "minute": 9}
